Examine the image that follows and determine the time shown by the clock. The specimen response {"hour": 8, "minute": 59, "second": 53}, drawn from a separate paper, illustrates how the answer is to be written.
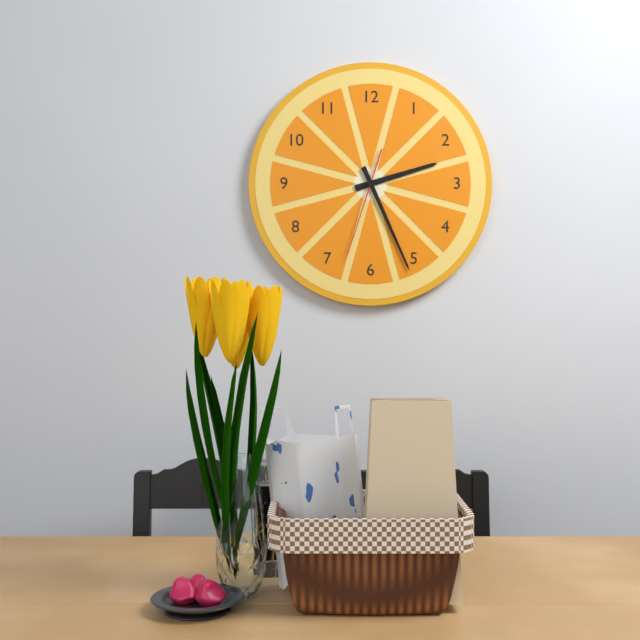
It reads {"hour": 2, "minute": 26, "second": 33}
